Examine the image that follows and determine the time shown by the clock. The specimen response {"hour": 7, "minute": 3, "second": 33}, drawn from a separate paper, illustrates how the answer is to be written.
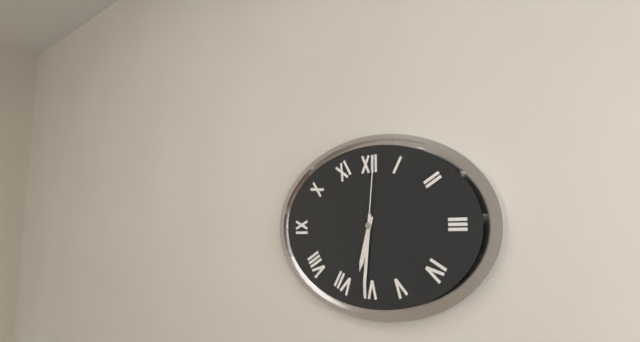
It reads {"hour": 6, "minute": 31, "second": 1}
